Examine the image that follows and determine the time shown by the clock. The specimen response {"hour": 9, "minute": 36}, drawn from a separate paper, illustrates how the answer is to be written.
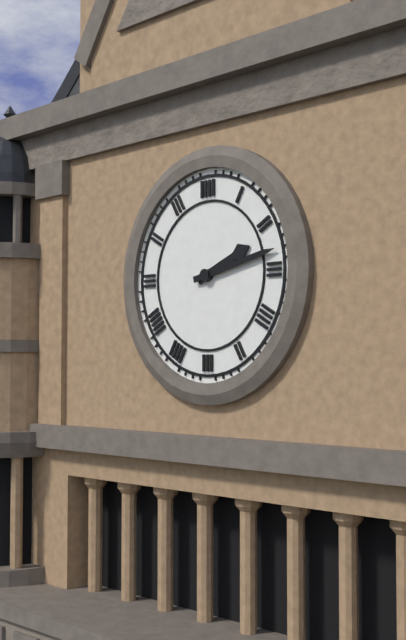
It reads {"hour": 2, "minute": 13}
